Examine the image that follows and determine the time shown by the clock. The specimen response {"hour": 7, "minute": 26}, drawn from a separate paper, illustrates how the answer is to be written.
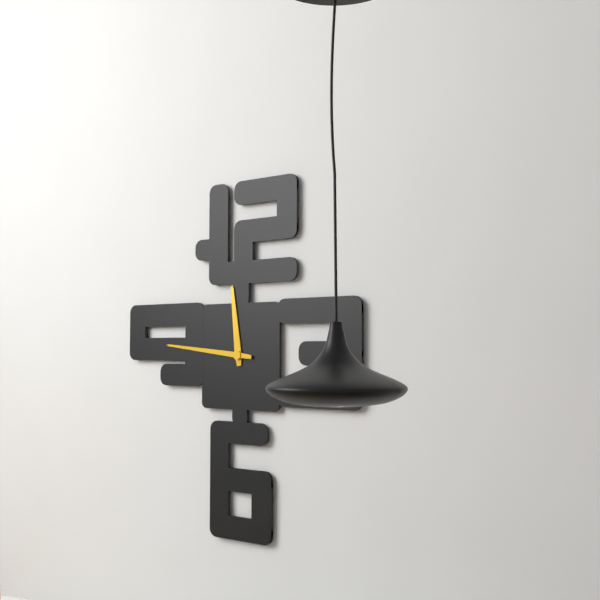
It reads {"hour": 11, "minute": 46}
